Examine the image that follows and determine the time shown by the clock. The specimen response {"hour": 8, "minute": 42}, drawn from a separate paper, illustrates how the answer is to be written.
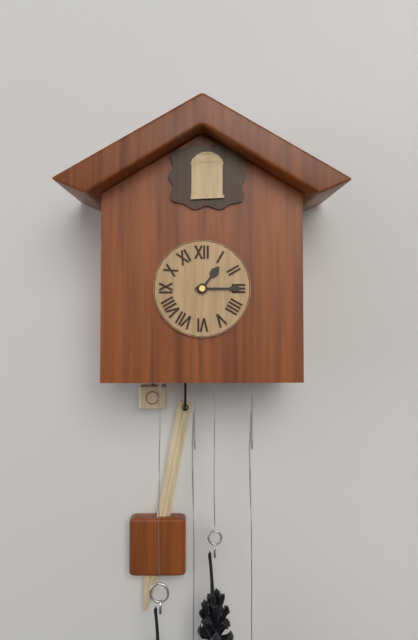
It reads {"hour": 1, "minute": 15}
